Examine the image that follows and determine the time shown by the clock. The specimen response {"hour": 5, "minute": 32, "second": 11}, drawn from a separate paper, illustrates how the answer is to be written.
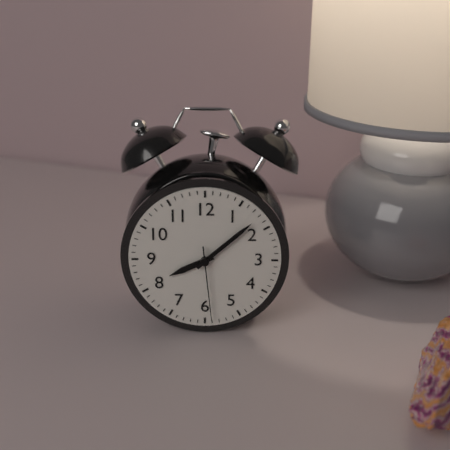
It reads {"hour": 8, "minute": 8, "second": 29}
